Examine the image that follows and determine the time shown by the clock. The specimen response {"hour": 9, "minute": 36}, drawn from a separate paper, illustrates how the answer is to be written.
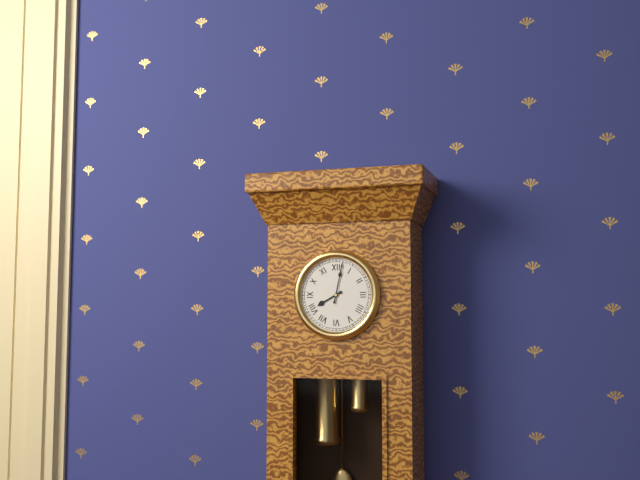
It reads {"hour": 8, "minute": 2}
